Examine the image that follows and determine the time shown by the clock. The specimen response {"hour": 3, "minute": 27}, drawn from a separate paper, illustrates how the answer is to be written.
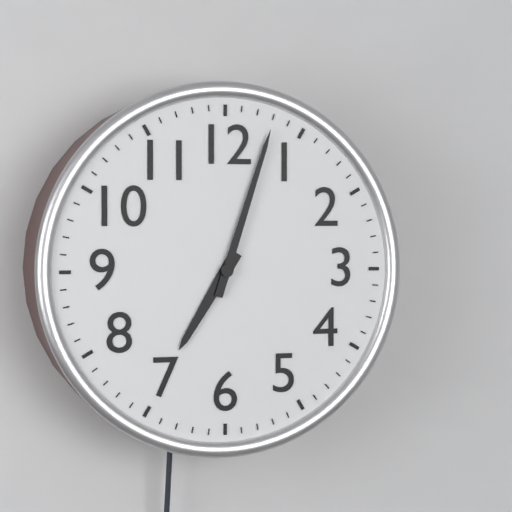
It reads {"hour": 7, "minute": 3}
